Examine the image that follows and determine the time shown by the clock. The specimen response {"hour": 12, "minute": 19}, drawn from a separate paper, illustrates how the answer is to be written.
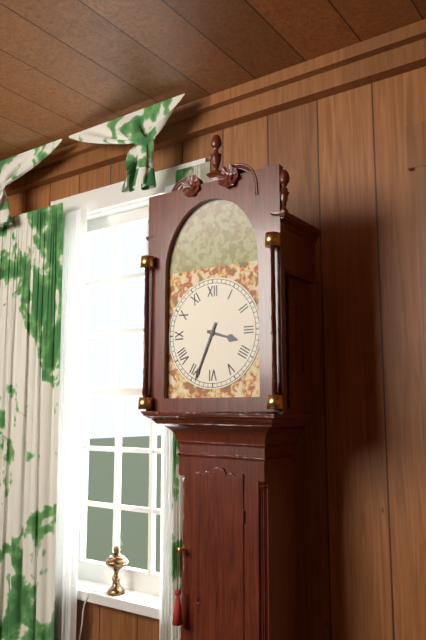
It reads {"hour": 3, "minute": 34}
